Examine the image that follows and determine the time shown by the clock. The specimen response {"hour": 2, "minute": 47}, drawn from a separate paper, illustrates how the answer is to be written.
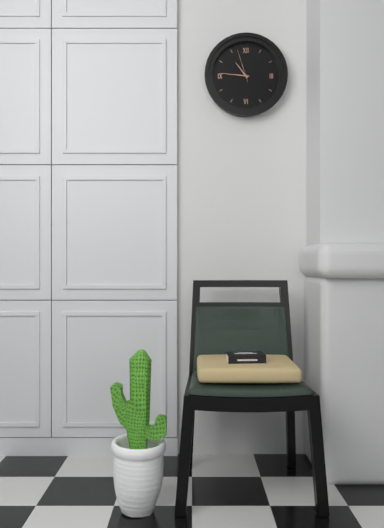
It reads {"hour": 10, "minute": 46}
